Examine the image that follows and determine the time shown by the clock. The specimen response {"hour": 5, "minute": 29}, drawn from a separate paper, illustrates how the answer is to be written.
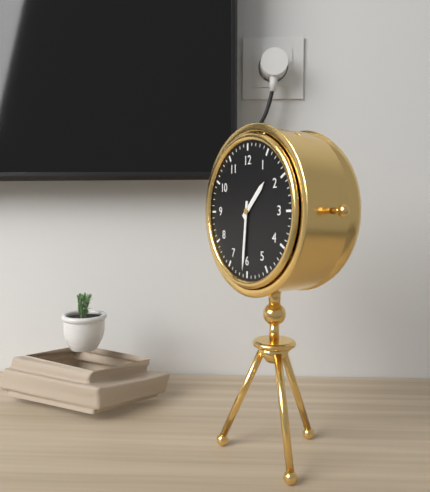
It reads {"hour": 1, "minute": 31}
